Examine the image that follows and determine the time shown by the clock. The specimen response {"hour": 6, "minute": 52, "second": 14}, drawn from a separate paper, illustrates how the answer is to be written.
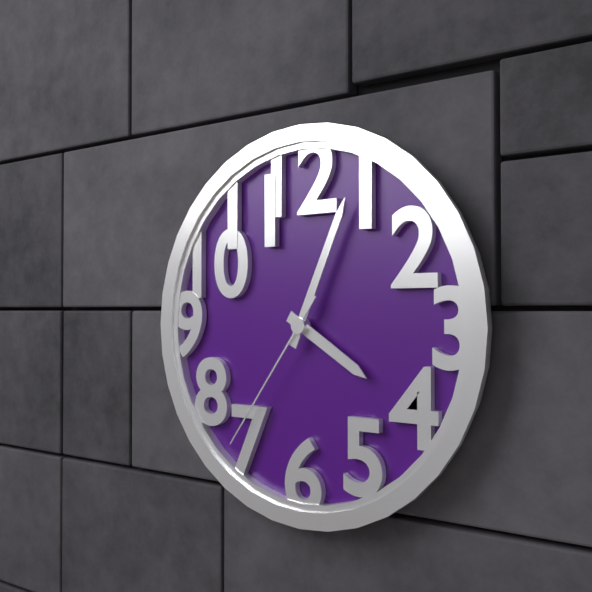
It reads {"hour": 4, "minute": 4, "second": 36}
